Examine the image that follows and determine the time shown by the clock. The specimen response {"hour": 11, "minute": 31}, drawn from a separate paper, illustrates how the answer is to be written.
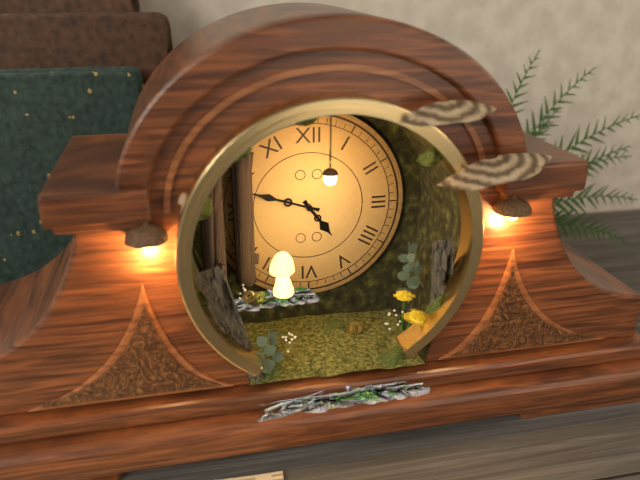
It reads {"hour": 4, "minute": 48}
